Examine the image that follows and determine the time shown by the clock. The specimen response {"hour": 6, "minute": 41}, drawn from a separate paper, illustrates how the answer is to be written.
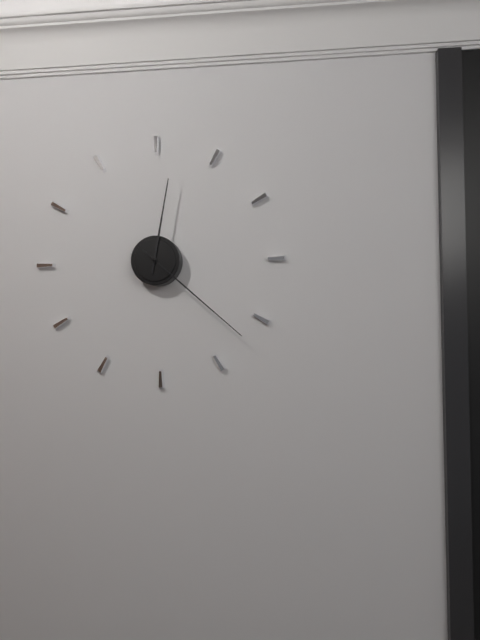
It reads {"hour": 12, "minute": 22}
